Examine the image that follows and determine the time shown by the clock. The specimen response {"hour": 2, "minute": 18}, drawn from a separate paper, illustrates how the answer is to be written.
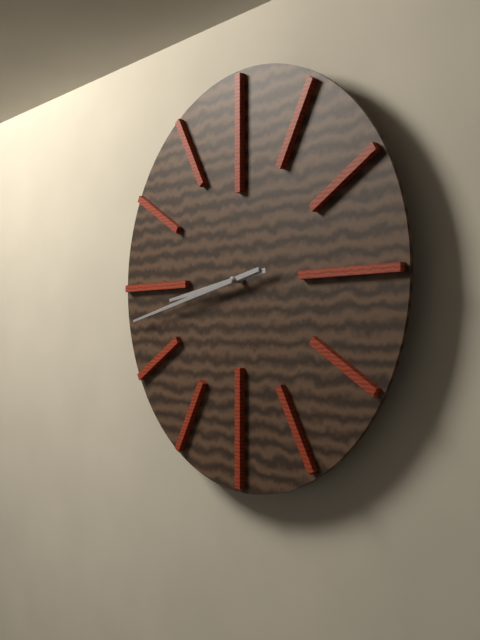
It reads {"hour": 8, "minute": 43}
